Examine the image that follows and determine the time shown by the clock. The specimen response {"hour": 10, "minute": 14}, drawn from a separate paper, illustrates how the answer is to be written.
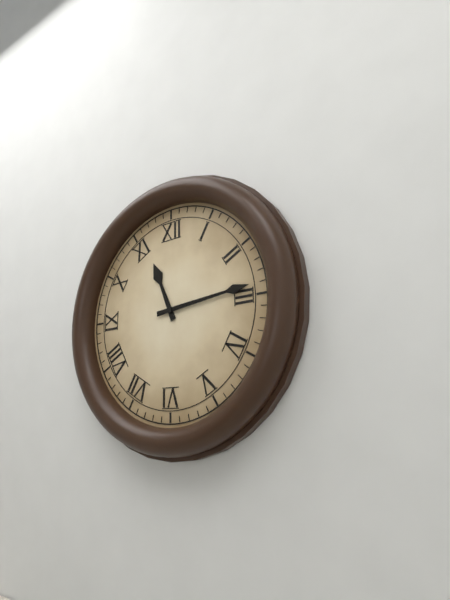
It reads {"hour": 11, "minute": 14}
